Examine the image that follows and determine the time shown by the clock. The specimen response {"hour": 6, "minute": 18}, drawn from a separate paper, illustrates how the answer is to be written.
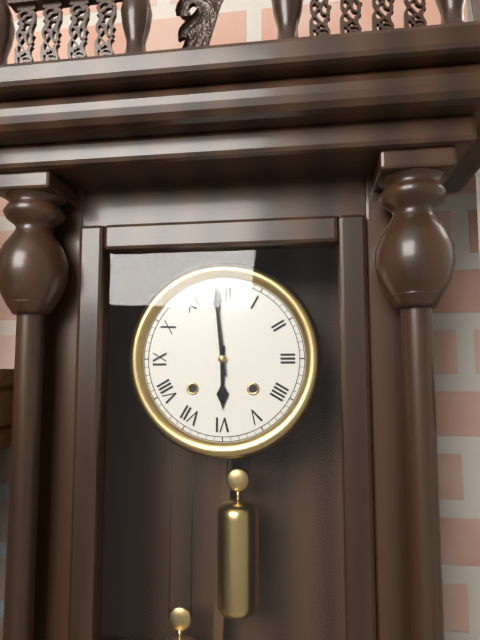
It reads {"hour": 5, "minute": 59}
